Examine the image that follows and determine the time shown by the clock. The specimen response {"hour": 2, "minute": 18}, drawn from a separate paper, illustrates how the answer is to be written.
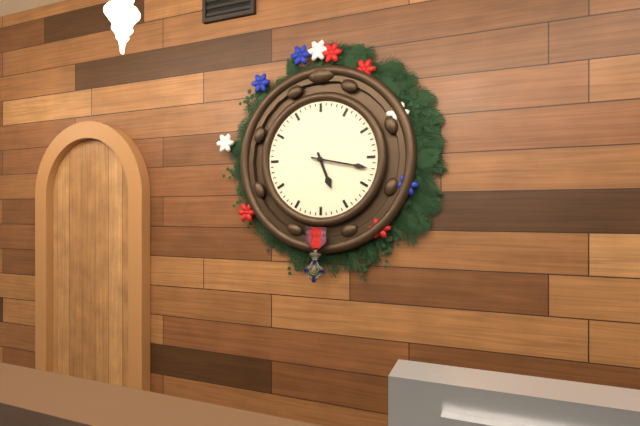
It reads {"hour": 5, "minute": 17}
